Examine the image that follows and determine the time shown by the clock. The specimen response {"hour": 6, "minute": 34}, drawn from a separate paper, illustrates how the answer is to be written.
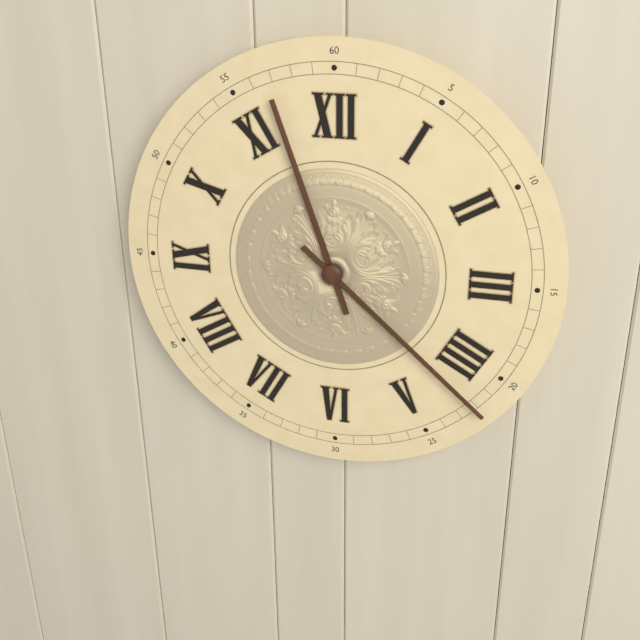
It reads {"hour": 11, "minute": 22}
